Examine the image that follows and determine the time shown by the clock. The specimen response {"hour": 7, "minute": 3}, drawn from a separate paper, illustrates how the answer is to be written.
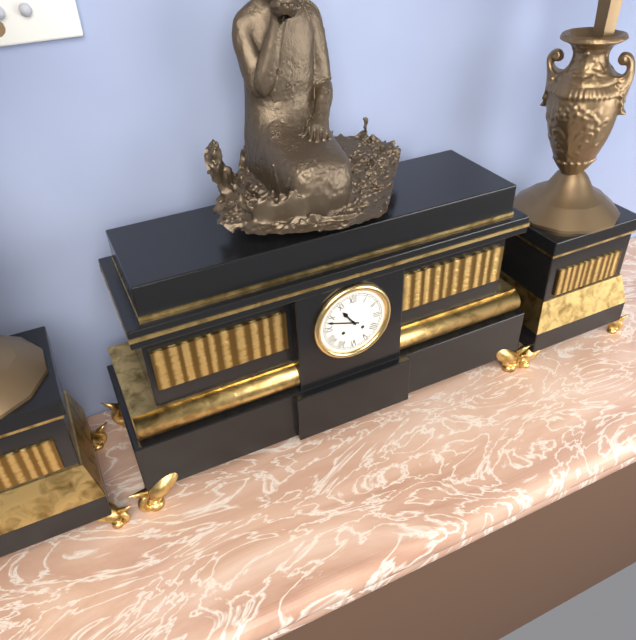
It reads {"hour": 10, "minute": 48}
